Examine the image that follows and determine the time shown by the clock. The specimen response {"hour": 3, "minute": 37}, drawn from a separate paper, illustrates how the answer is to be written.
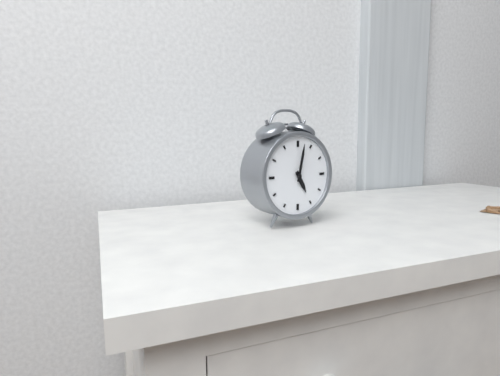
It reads {"hour": 5, "minute": 2}
